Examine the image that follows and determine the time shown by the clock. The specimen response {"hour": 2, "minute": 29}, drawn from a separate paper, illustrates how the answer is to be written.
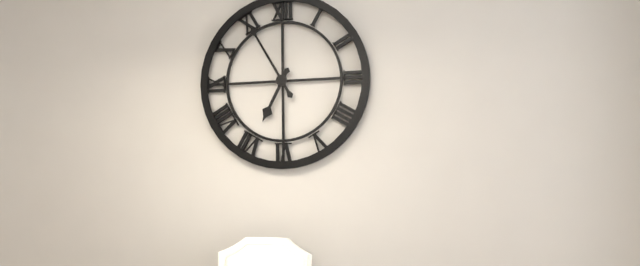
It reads {"hour": 6, "minute": 55}
